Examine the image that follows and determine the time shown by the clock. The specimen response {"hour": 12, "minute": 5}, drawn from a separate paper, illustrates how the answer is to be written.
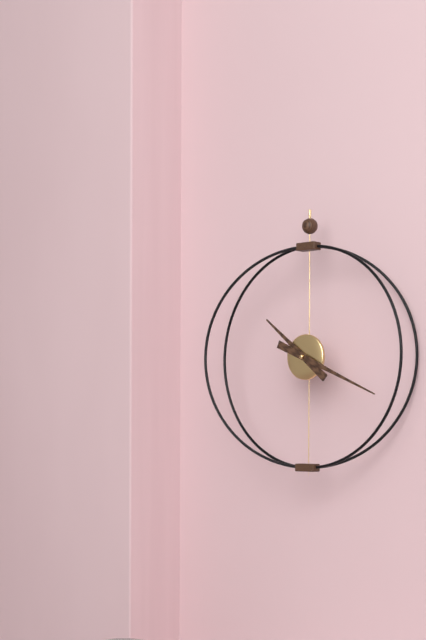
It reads {"hour": 10, "minute": 19}
